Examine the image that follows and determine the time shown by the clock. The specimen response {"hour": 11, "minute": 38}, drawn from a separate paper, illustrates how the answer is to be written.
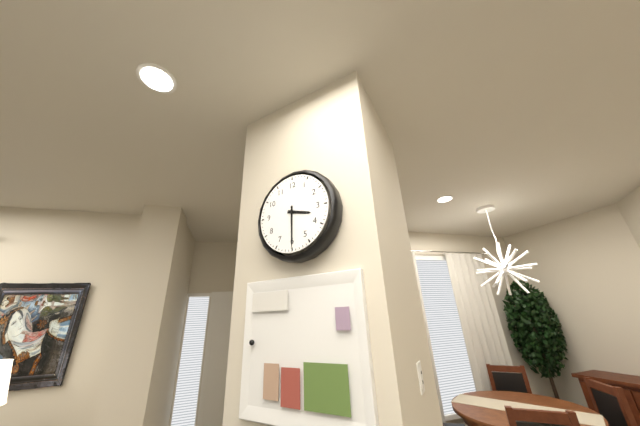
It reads {"hour": 3, "minute": 30}
